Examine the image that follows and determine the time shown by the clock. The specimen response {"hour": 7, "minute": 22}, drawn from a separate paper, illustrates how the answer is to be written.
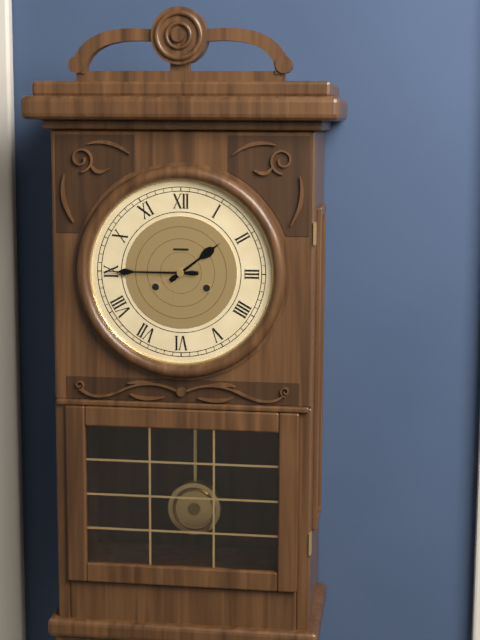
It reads {"hour": 1, "minute": 45}
